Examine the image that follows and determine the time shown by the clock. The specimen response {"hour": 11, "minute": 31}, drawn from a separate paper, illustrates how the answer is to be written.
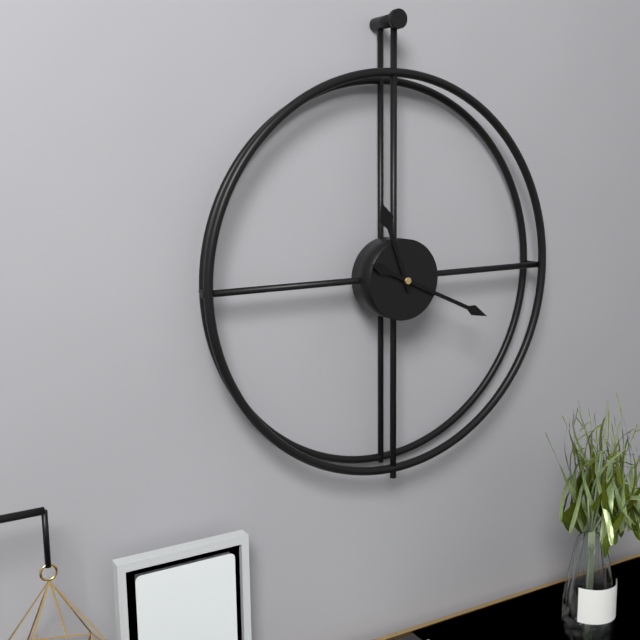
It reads {"hour": 11, "minute": 19}
